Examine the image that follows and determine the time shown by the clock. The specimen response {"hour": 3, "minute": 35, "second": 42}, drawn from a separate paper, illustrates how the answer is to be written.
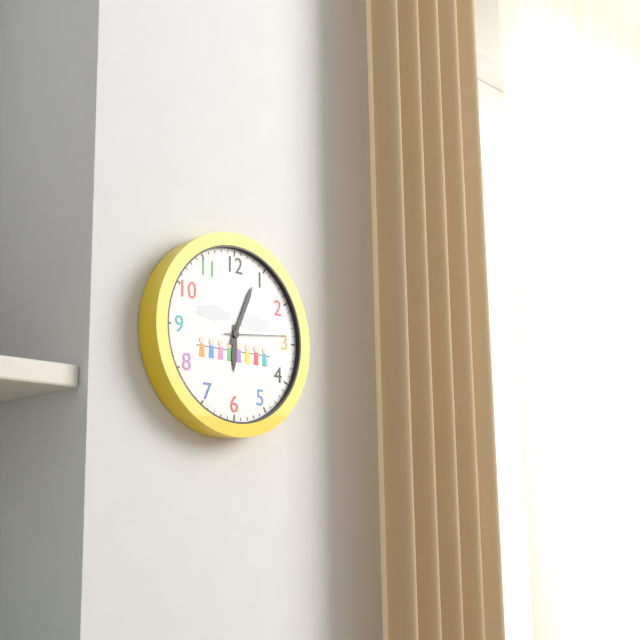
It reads {"hour": 6, "minute": 4, "second": 14}
